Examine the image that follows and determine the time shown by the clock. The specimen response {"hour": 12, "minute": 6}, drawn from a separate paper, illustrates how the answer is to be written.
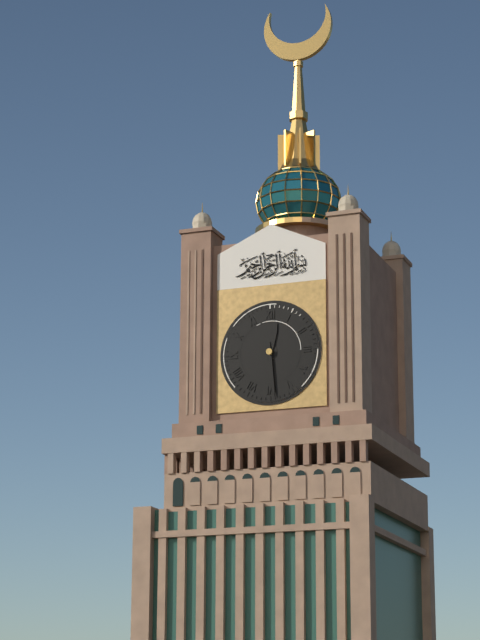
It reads {"hour": 12, "minute": 29}
